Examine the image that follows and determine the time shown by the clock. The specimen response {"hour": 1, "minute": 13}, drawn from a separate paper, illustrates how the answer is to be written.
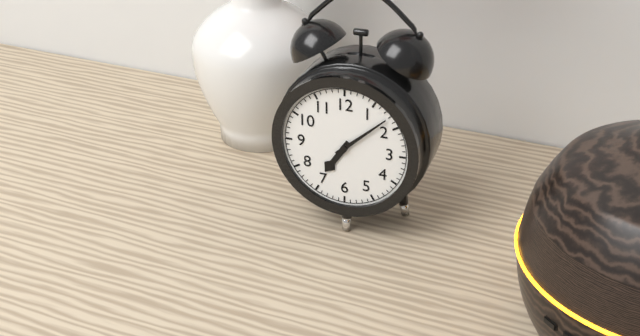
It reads {"hour": 7, "minute": 8}
